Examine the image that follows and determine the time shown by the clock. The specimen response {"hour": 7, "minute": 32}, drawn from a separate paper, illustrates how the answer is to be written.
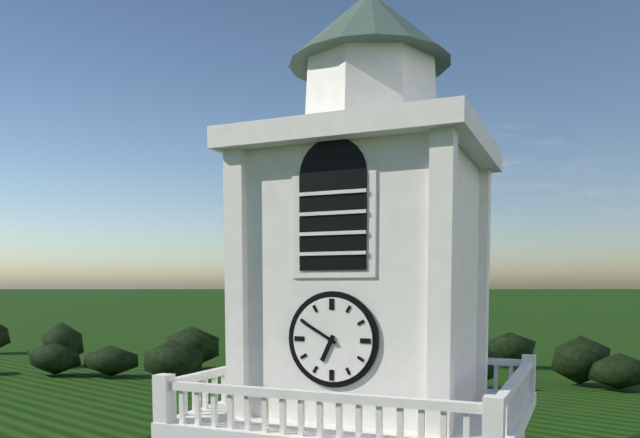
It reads {"hour": 6, "minute": 50}
